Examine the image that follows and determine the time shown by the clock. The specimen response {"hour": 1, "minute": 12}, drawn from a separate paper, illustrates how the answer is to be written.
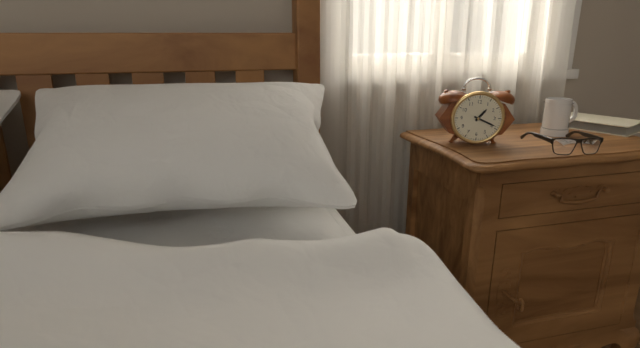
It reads {"hour": 1, "minute": 19}
